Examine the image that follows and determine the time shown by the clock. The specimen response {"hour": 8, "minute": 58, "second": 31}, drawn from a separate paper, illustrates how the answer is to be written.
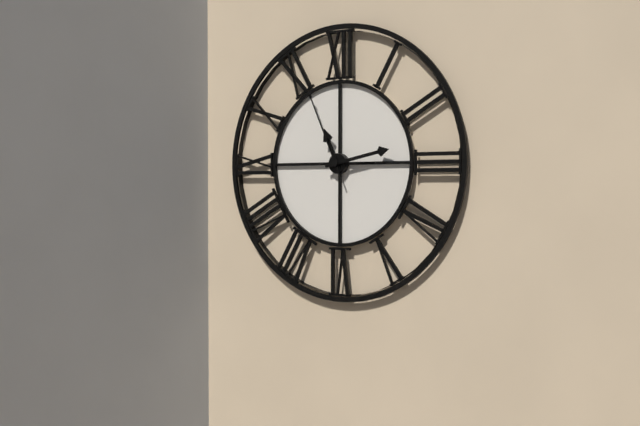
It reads {"hour": 11, "minute": 13, "second": 56}
